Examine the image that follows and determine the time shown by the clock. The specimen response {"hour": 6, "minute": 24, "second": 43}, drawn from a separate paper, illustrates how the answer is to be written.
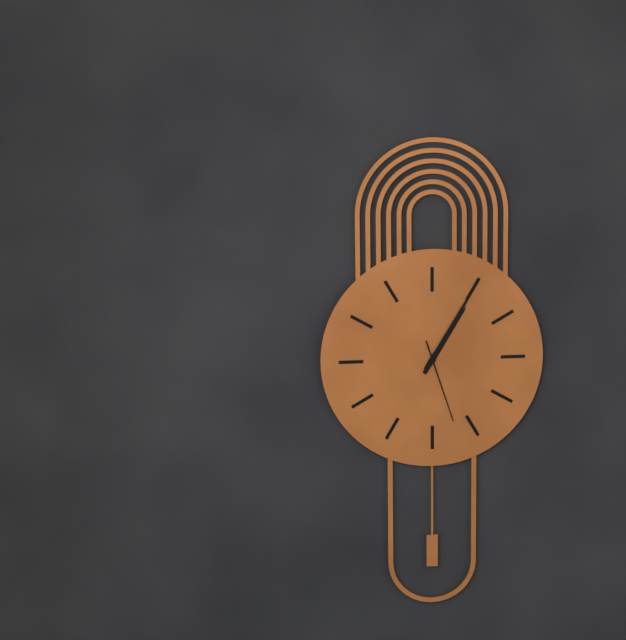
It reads {"hour": 1, "minute": 5, "second": 27}
